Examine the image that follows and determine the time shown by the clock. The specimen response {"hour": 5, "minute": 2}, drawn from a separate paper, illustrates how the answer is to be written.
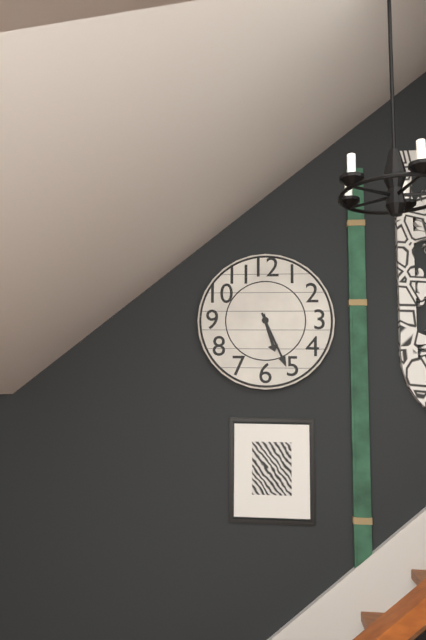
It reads {"hour": 5, "minute": 26}
